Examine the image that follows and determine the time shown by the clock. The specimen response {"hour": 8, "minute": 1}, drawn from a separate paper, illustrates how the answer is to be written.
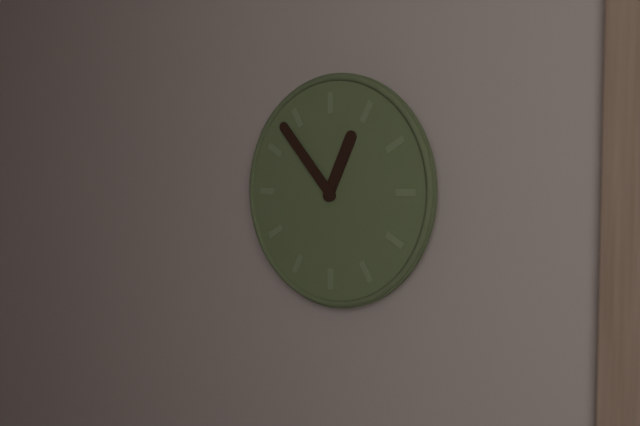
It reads {"hour": 12, "minute": 53}
